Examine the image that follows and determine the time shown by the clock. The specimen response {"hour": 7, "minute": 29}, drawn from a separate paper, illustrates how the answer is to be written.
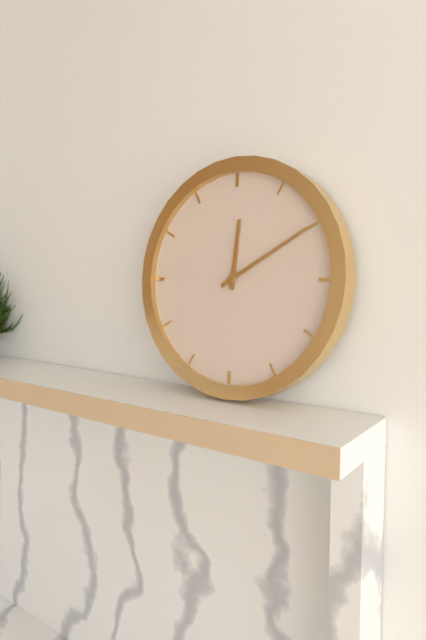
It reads {"hour": 12, "minute": 10}
